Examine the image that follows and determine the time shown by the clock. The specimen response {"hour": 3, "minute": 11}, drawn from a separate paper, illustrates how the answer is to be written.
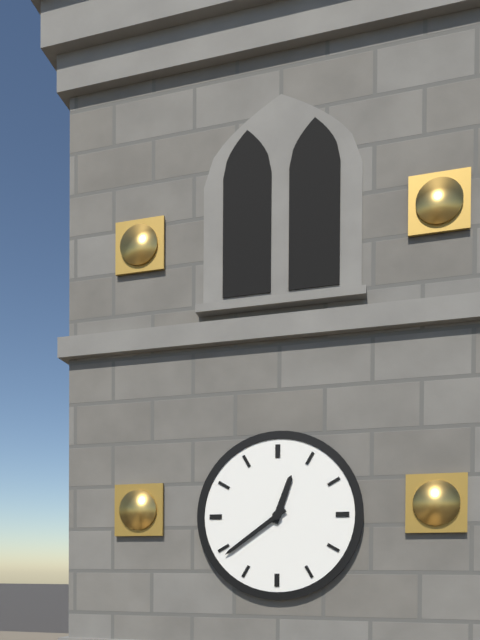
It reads {"hour": 12, "minute": 39}
